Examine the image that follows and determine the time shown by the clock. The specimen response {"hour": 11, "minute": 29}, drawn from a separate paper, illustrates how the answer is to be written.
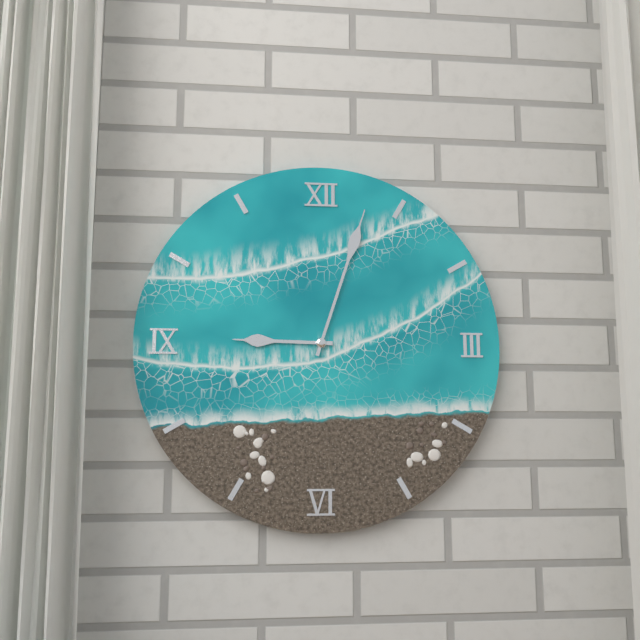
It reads {"hour": 9, "minute": 3}
